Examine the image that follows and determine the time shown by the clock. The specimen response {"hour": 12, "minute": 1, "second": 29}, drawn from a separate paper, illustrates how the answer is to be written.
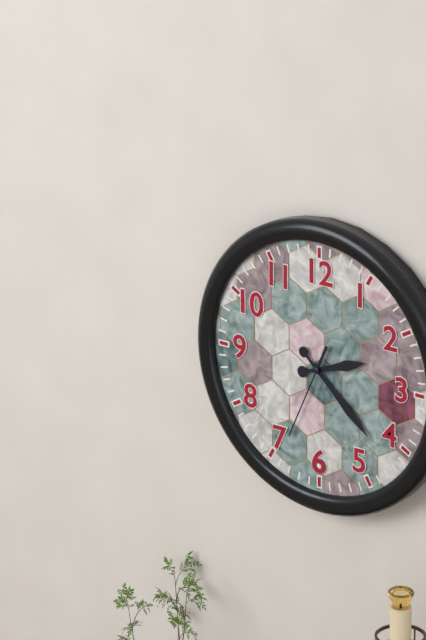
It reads {"hour": 2, "minute": 22, "second": 34}
